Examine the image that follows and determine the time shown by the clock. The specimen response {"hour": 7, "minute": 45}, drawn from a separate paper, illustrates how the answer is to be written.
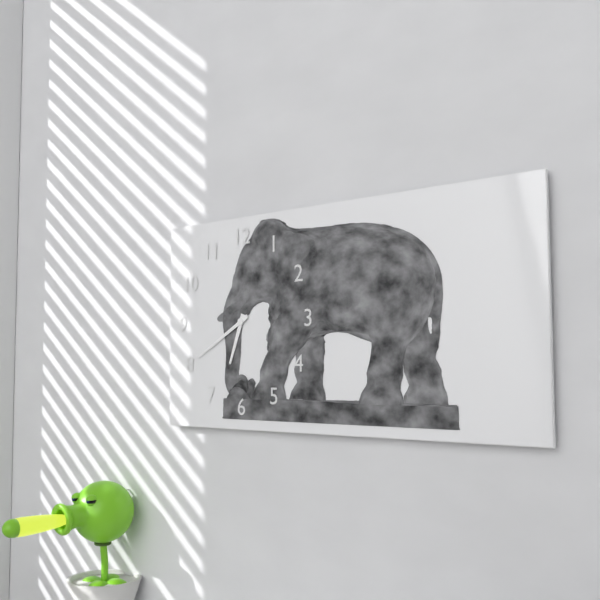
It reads {"hour": 6, "minute": 40}
